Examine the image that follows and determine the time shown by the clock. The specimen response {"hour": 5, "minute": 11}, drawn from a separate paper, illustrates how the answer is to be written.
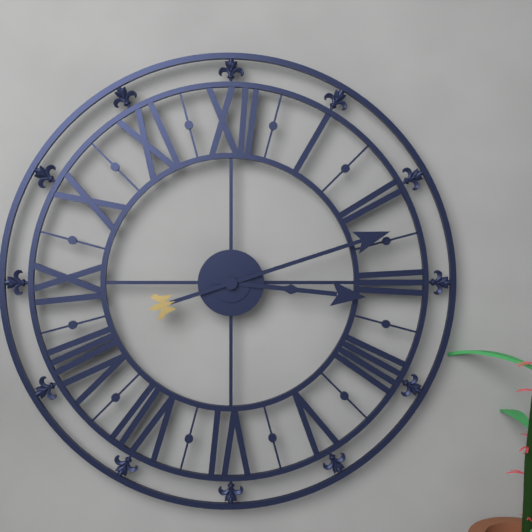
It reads {"hour": 3, "minute": 12}
